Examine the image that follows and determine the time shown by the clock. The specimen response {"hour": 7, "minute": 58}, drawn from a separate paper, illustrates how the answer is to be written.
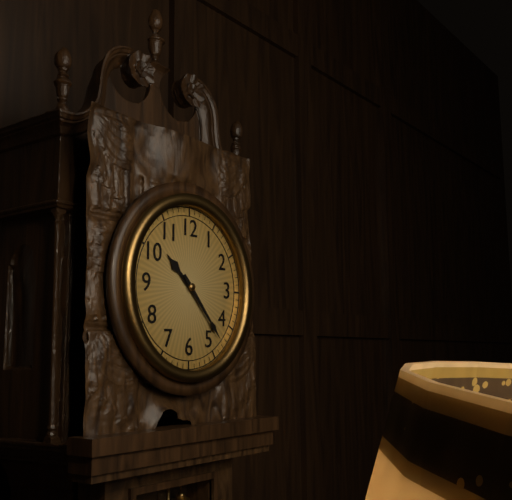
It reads {"hour": 10, "minute": 23}
